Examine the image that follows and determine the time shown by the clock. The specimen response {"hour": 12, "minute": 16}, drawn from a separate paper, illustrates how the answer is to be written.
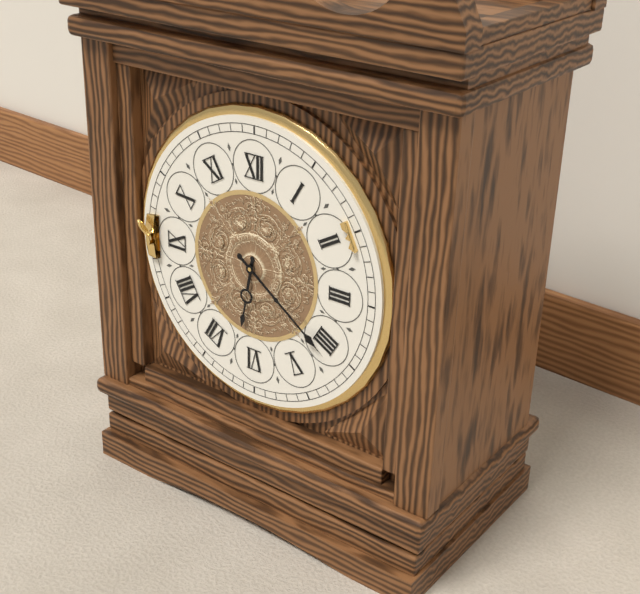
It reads {"hour": 6, "minute": 21}
